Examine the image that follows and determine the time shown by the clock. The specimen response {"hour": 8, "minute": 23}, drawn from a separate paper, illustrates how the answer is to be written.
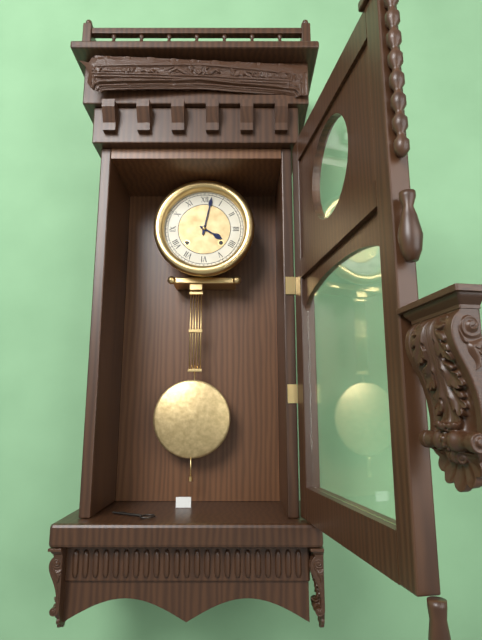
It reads {"hour": 4, "minute": 2}
